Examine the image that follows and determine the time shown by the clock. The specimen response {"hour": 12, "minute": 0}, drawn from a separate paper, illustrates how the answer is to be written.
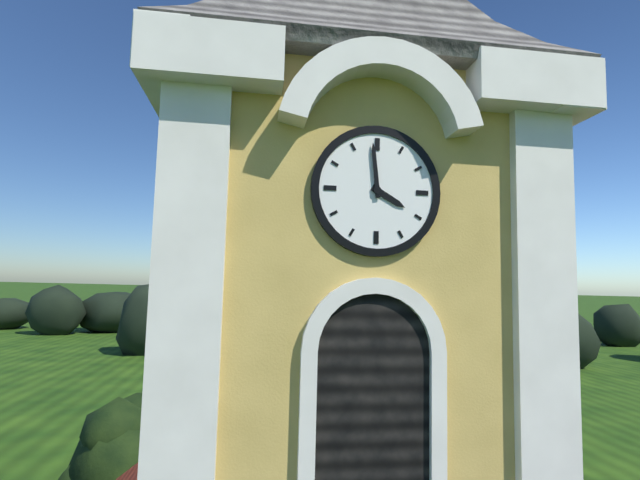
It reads {"hour": 3, "minute": 59}
